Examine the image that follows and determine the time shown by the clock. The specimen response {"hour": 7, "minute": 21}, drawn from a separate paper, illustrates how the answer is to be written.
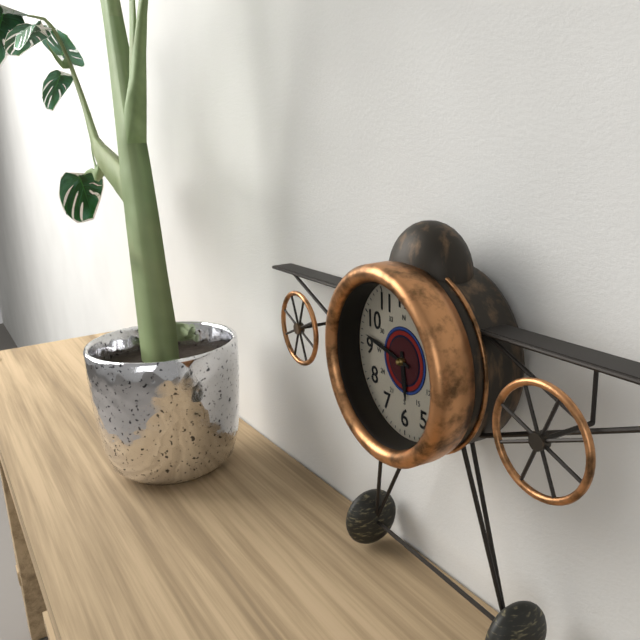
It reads {"hour": 5, "minute": 47}
